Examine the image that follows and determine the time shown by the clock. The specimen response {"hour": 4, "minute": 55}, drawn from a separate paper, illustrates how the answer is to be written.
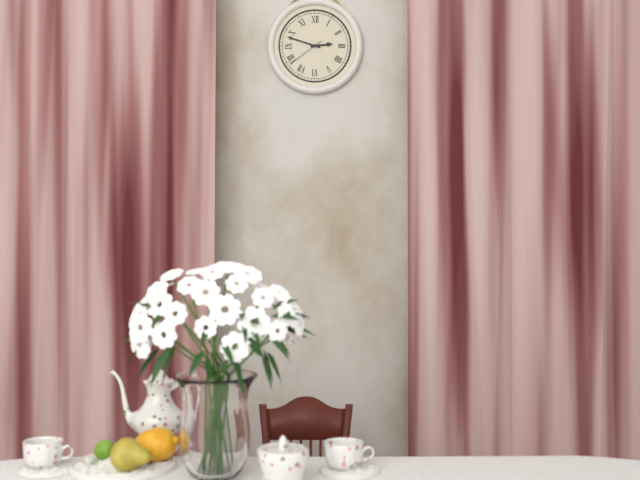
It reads {"hour": 2, "minute": 48}
